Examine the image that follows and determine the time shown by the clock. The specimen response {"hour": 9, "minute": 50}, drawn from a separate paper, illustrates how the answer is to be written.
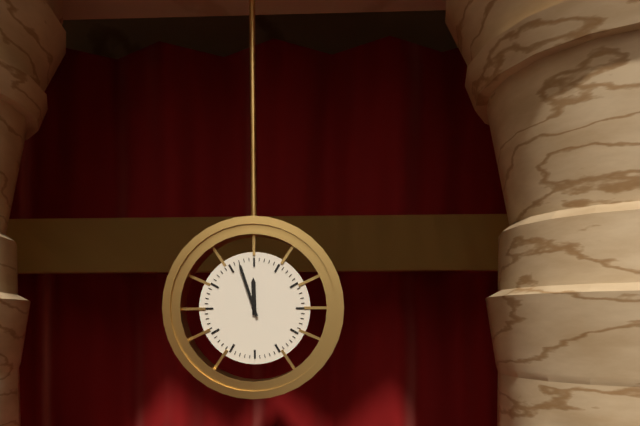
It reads {"hour": 11, "minute": 57}
